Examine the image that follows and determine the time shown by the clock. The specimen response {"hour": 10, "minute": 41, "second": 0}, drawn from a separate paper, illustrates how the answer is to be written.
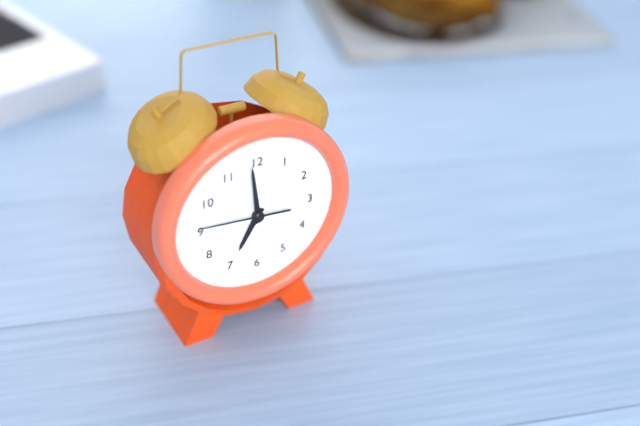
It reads {"hour": 6, "minute": 59, "second": 46}
